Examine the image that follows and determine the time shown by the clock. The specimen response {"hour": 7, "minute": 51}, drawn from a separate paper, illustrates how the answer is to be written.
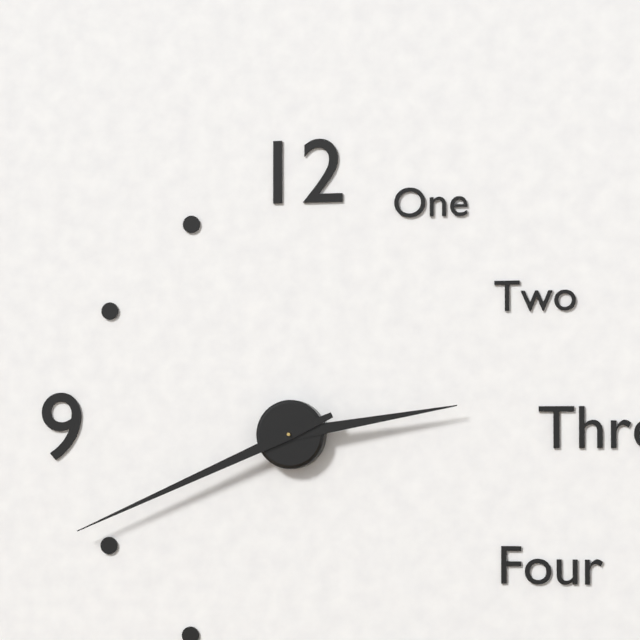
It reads {"hour": 2, "minute": 41}
